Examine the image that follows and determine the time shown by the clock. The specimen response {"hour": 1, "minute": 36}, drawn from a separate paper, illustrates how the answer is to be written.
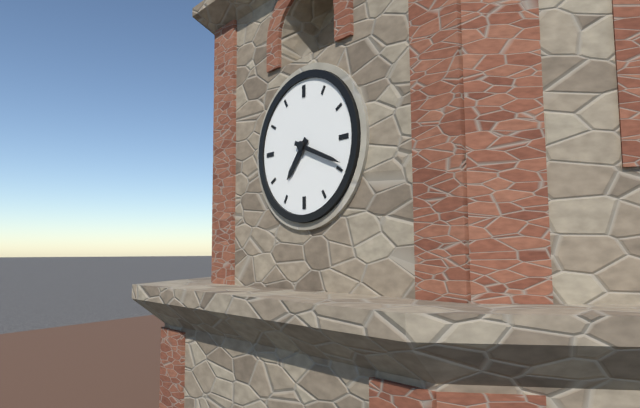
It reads {"hour": 7, "minute": 19}
